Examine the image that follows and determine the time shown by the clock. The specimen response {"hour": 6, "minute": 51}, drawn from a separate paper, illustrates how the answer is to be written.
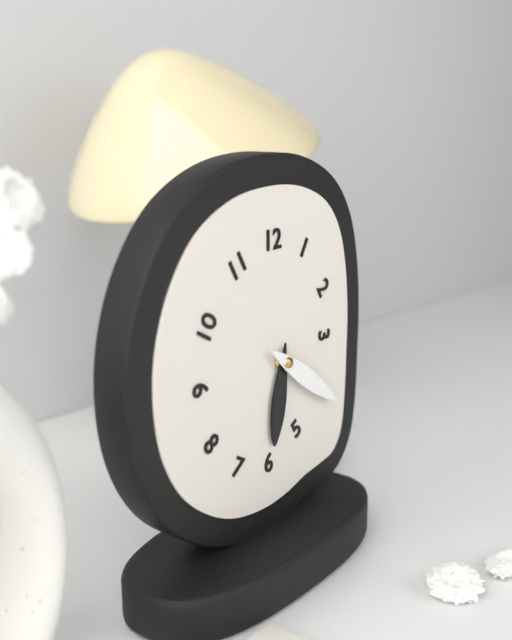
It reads {"hour": 6, "minute": 21}
